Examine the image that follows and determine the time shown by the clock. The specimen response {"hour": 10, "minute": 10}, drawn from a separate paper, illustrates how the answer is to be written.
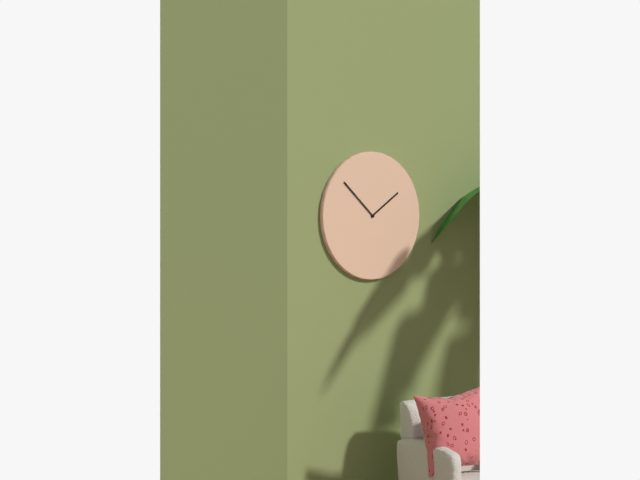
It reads {"hour": 1, "minute": 52}
